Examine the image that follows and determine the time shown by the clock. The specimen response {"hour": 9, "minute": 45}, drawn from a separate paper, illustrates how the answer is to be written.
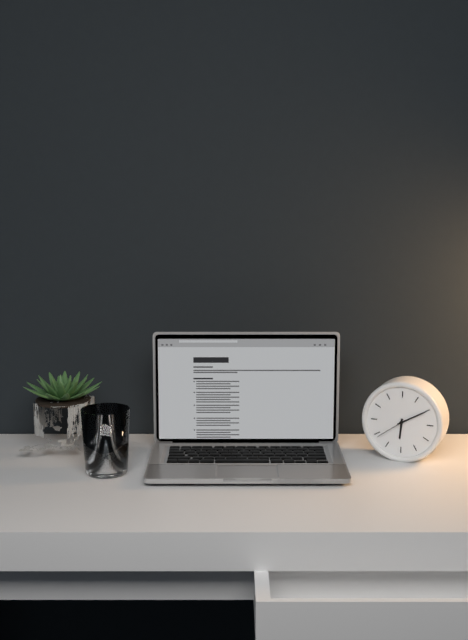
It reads {"hour": 6, "minute": 10}
